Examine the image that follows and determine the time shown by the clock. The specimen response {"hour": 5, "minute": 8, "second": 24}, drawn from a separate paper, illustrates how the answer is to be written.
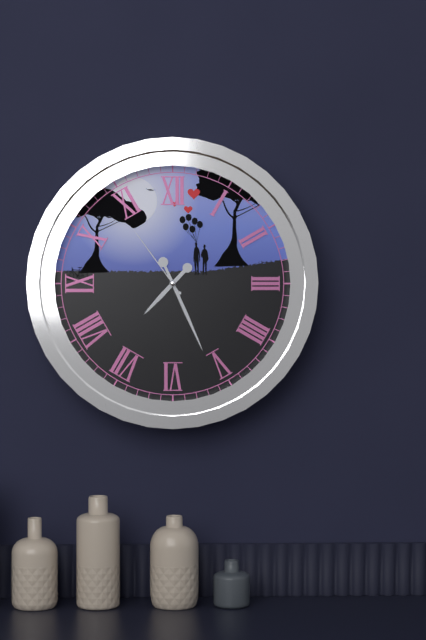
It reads {"hour": 7, "minute": 26, "second": 54}
